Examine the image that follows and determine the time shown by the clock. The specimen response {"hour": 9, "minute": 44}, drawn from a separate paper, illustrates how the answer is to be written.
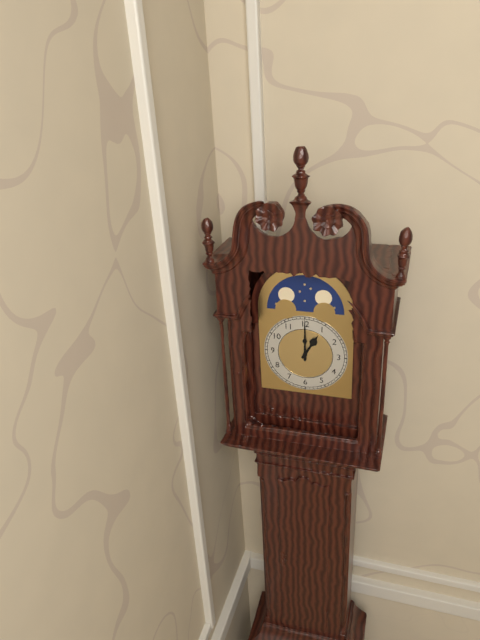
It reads {"hour": 1, "minute": 0}
